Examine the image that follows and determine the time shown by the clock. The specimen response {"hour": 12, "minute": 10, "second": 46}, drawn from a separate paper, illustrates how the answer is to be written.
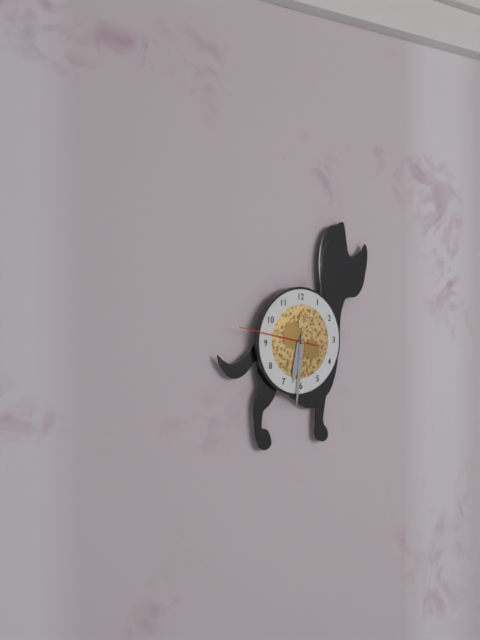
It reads {"hour": 6, "minute": 31, "second": 47}
